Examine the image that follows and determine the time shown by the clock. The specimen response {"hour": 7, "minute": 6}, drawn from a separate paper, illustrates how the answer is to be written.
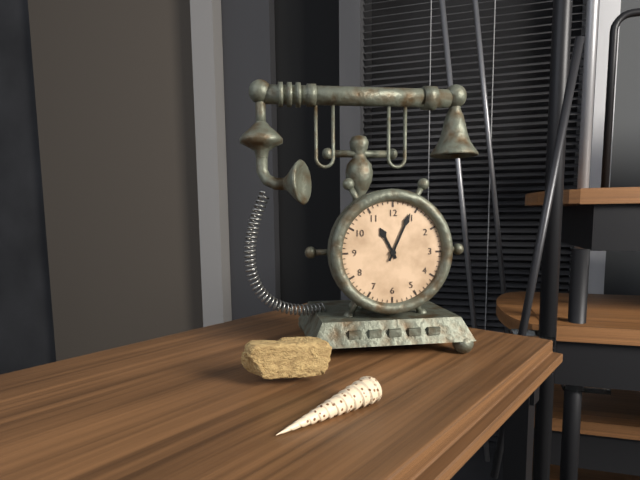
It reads {"hour": 11, "minute": 4}
